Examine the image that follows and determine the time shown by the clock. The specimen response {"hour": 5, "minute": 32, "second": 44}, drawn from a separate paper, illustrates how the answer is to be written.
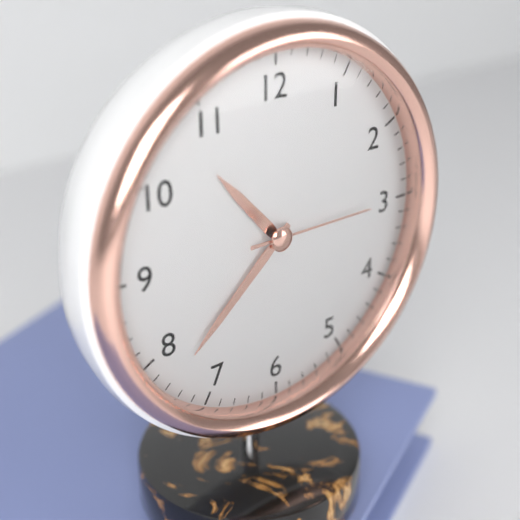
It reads {"hour": 10, "minute": 38, "second": 15}
